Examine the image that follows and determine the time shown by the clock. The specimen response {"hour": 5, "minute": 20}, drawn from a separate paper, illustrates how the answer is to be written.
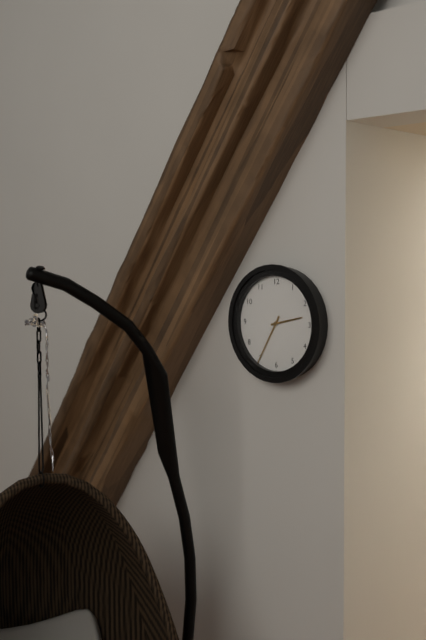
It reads {"hour": 2, "minute": 35}
